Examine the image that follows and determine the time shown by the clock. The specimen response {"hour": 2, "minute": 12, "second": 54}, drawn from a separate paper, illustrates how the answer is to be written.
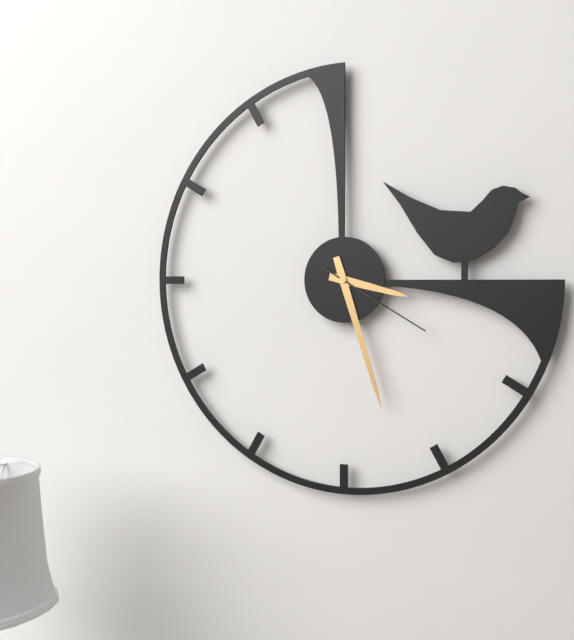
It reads {"hour": 3, "minute": 27, "second": 20}
